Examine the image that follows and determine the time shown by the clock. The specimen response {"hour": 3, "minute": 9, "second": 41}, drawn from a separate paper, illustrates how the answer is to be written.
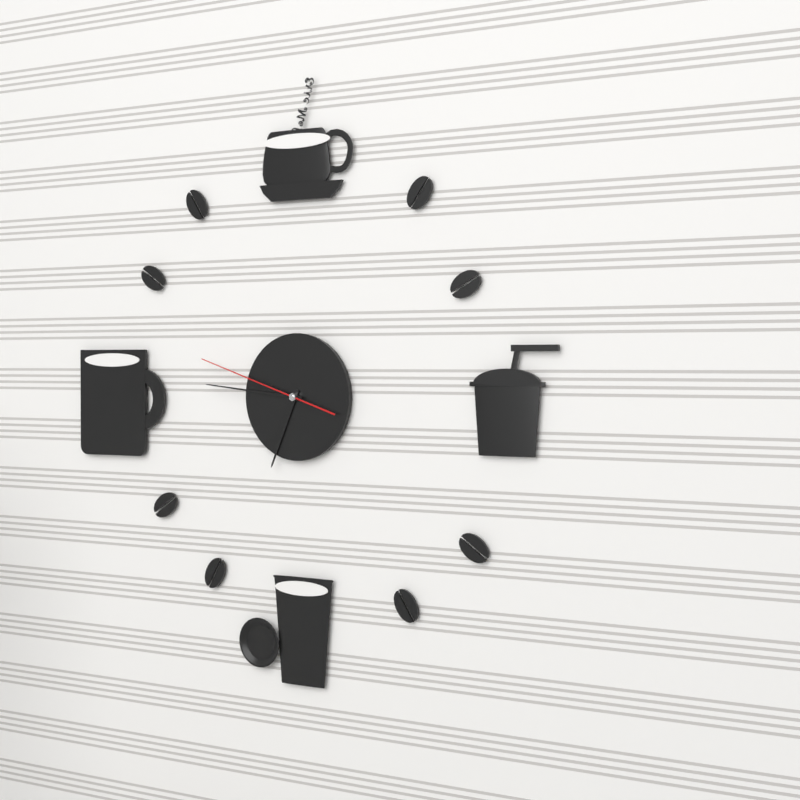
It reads {"hour": 6, "minute": 46, "second": 48}
